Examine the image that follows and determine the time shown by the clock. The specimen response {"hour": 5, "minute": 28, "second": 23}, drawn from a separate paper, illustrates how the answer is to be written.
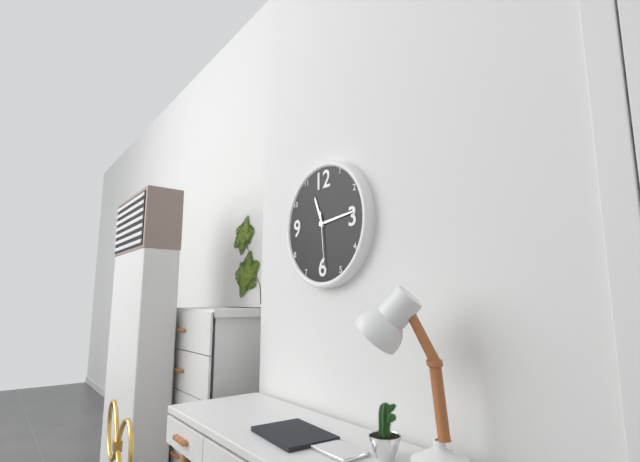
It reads {"hour": 11, "minute": 14, "second": 29}
